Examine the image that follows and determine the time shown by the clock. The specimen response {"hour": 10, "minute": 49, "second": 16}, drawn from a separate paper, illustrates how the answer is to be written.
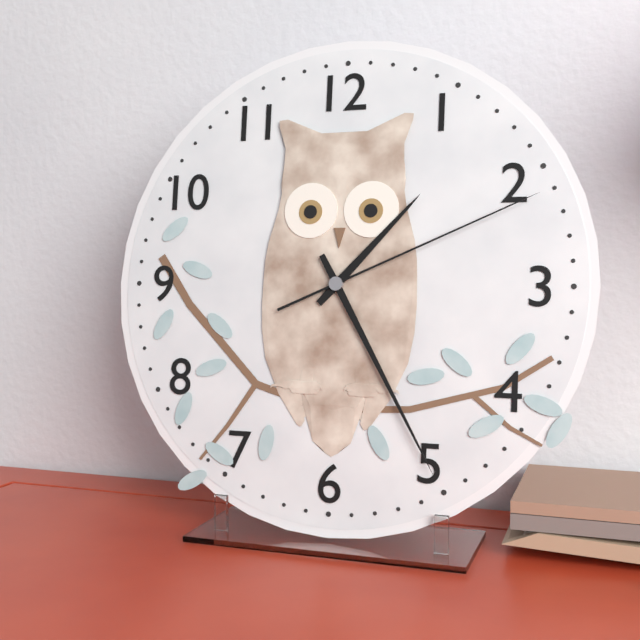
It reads {"hour": 1, "minute": 25, "second": 11}
